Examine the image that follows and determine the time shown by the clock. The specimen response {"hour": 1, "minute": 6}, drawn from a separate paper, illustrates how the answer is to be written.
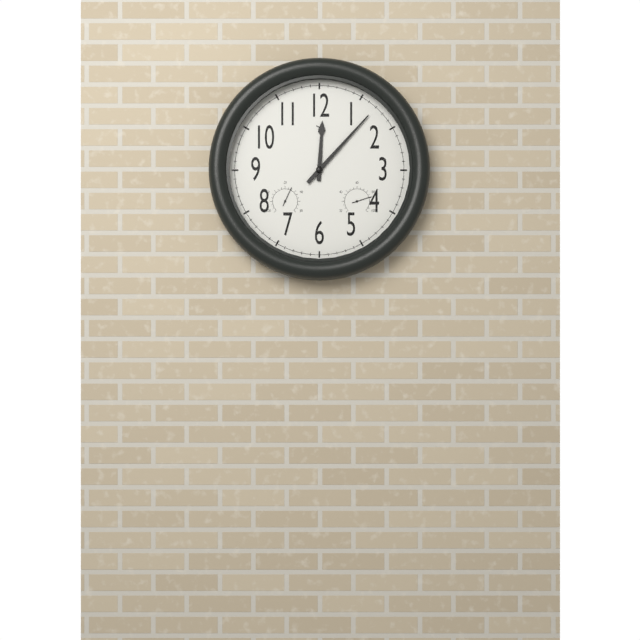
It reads {"hour": 12, "minute": 7}
